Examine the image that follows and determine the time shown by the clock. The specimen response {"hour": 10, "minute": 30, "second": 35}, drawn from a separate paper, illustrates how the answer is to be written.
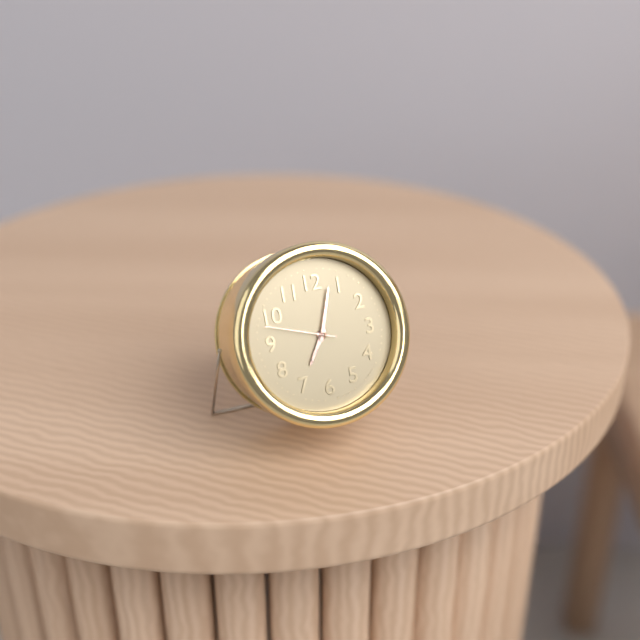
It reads {"hour": 7, "minute": 3, "second": 48}
